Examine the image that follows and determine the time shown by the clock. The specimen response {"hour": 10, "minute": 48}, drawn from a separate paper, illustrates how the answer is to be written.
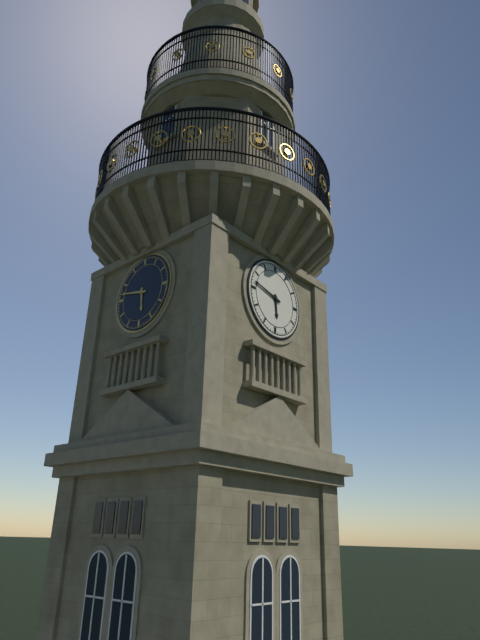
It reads {"hour": 5, "minute": 47}
